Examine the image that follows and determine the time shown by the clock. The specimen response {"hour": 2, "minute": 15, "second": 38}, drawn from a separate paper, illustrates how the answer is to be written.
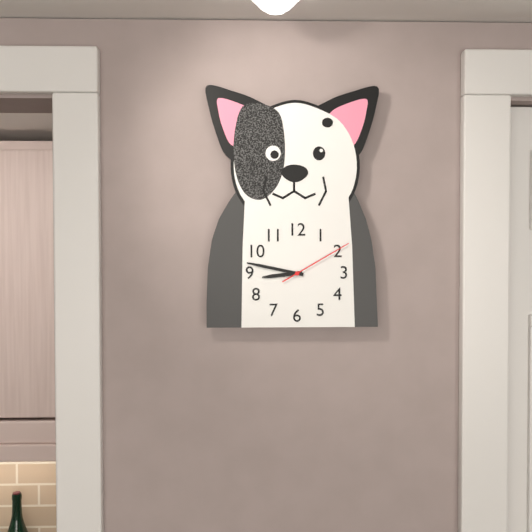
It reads {"hour": 8, "minute": 47, "second": 10}
